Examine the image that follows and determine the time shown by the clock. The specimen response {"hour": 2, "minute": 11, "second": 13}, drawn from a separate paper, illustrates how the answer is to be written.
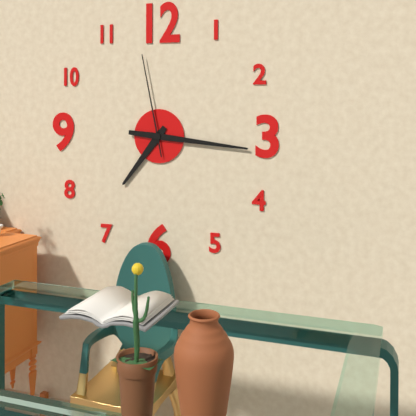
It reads {"hour": 7, "minute": 16, "second": 58}
